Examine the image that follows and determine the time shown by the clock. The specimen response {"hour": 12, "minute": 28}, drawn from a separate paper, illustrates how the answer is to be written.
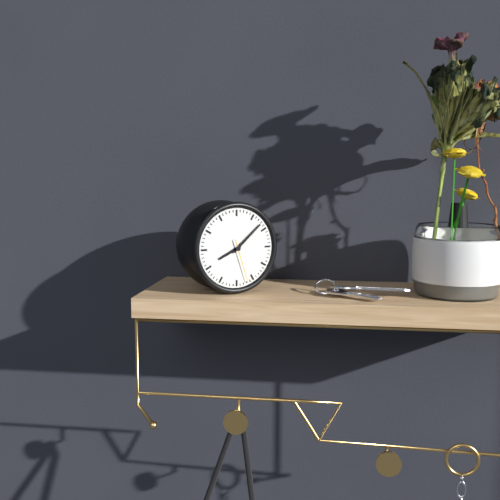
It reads {"hour": 8, "minute": 8}
